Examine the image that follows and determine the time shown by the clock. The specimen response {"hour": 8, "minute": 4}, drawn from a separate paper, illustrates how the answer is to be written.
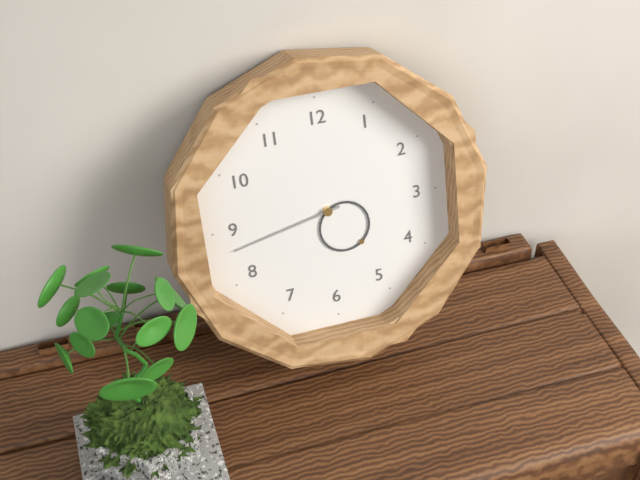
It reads {"hour": 4, "minute": 43}
